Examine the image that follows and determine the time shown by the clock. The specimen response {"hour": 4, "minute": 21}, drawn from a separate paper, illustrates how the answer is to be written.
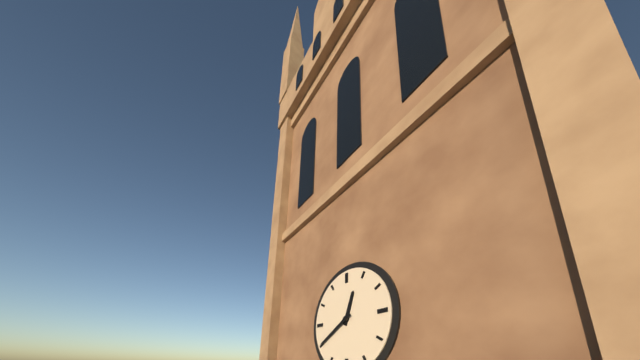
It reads {"hour": 12, "minute": 40}
